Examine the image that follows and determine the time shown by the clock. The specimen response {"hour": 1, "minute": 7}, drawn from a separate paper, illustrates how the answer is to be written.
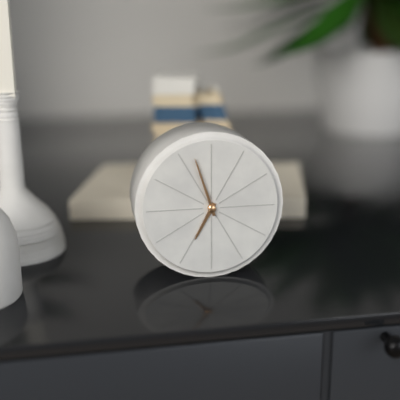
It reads {"hour": 6, "minute": 57}
